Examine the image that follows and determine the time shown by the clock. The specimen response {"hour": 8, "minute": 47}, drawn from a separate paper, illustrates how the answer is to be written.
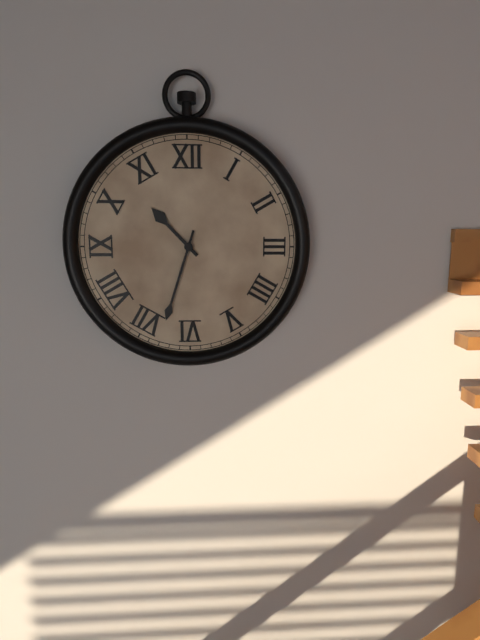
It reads {"hour": 10, "minute": 33}
